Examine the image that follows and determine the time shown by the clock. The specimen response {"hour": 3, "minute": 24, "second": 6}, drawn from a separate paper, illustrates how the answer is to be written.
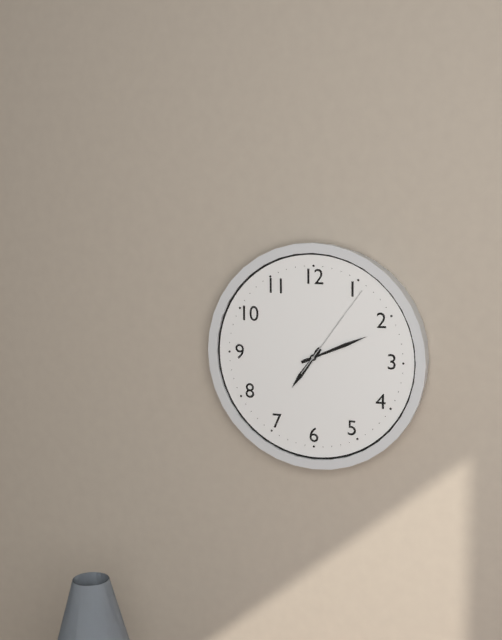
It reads {"hour": 7, "minute": 11, "second": 6}
